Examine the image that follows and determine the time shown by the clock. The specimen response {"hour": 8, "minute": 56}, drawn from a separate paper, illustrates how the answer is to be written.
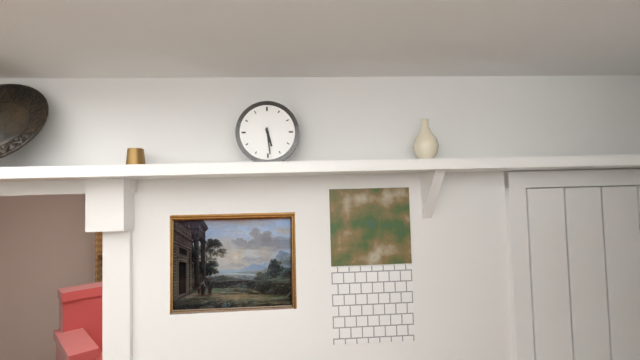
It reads {"hour": 5, "minute": 29}
